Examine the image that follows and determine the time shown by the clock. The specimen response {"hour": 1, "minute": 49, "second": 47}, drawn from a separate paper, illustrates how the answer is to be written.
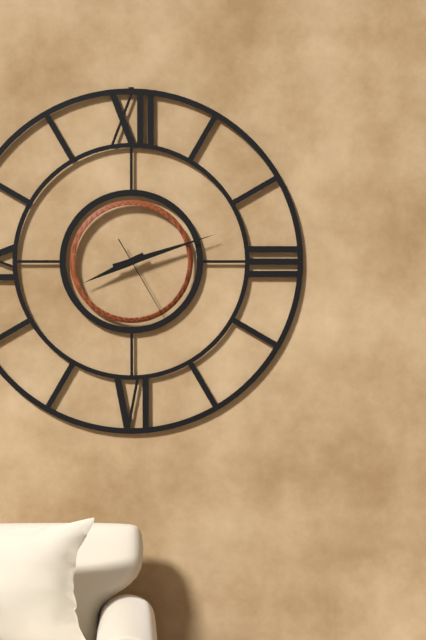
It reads {"hour": 8, "minute": 12, "second": 25}
